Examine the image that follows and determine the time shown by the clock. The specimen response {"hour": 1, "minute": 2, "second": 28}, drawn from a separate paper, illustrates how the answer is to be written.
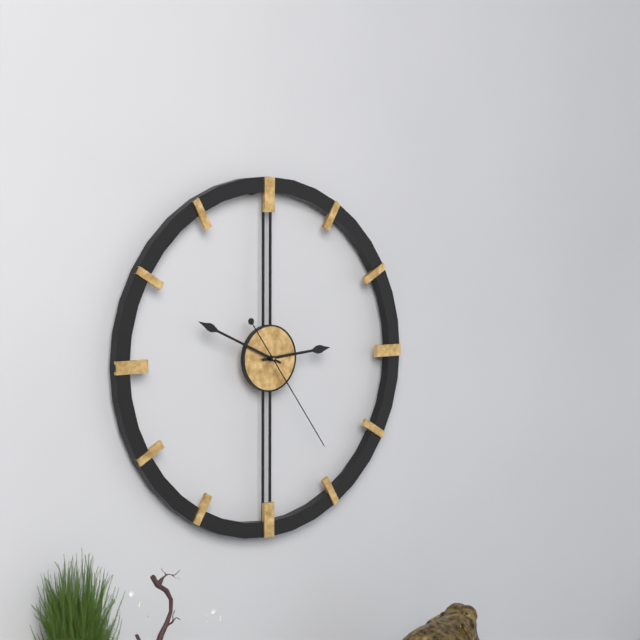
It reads {"hour": 2, "minute": 49, "second": 24}
